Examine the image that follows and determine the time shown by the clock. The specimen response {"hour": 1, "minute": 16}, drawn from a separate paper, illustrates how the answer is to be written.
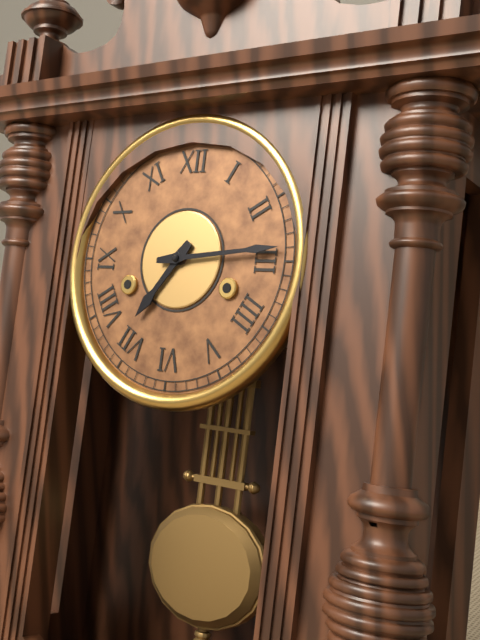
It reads {"hour": 7, "minute": 14}
